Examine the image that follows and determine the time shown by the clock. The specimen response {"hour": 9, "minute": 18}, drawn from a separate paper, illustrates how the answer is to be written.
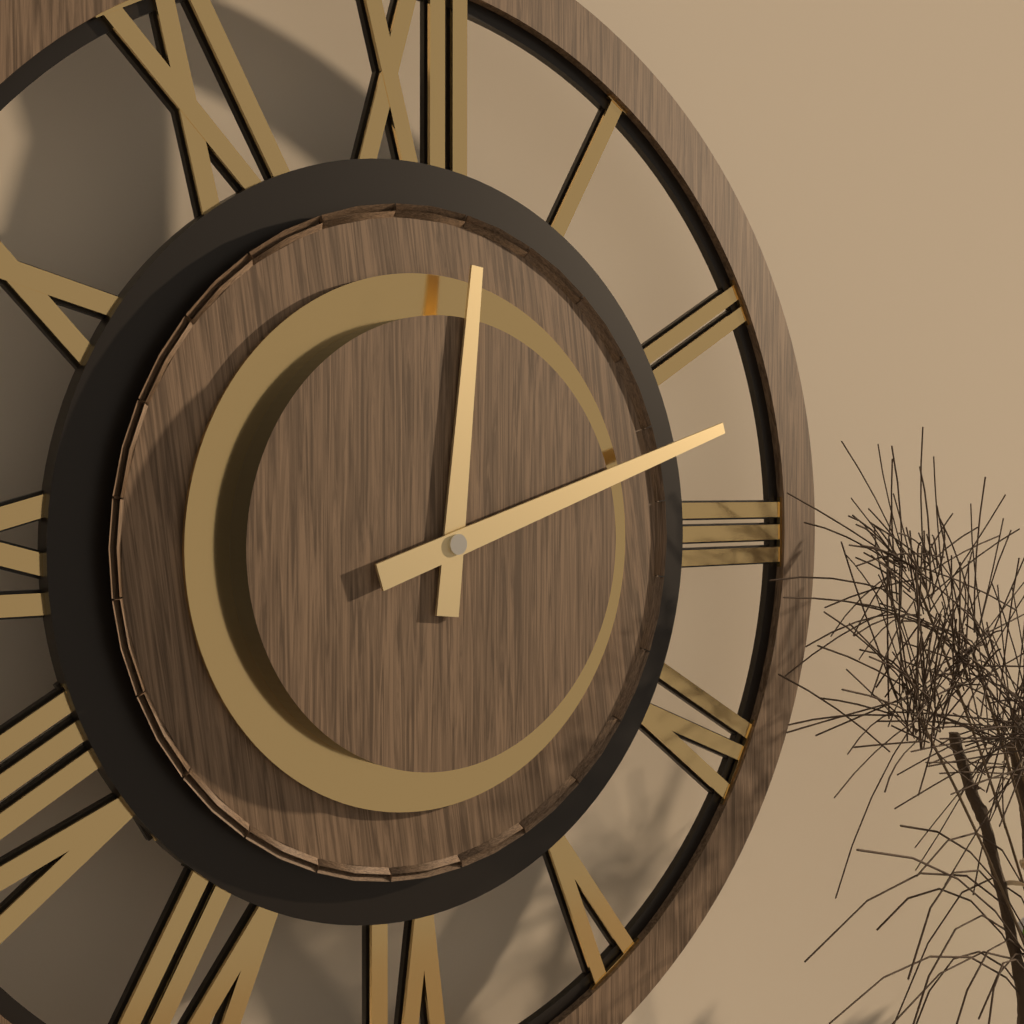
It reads {"hour": 12, "minute": 12}
